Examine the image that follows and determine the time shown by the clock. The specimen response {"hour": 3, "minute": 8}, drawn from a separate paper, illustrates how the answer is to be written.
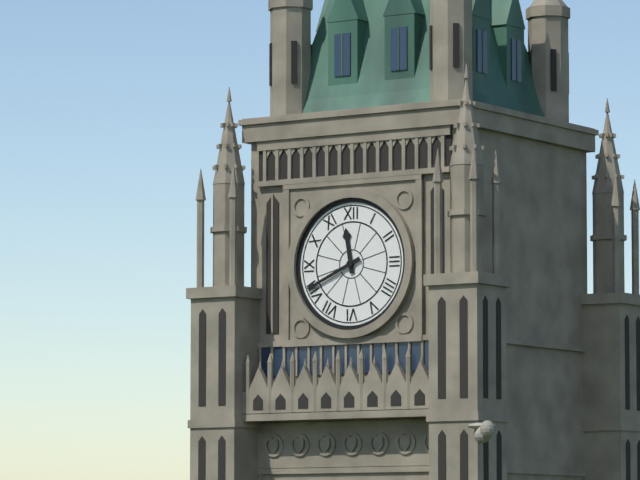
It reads {"hour": 11, "minute": 41}
